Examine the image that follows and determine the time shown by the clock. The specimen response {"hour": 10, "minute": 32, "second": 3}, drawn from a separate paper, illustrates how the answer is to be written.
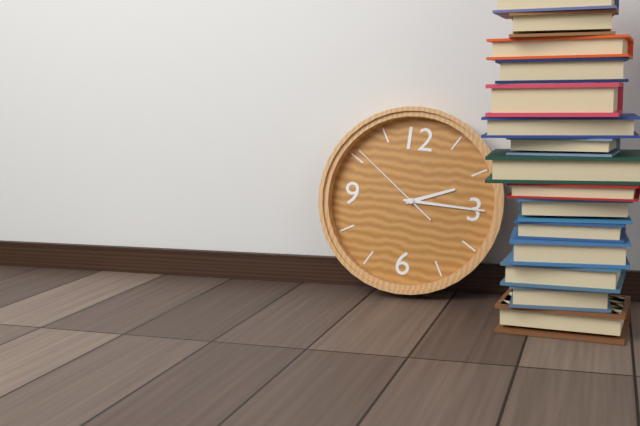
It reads {"hour": 2, "minute": 15, "second": 51}
